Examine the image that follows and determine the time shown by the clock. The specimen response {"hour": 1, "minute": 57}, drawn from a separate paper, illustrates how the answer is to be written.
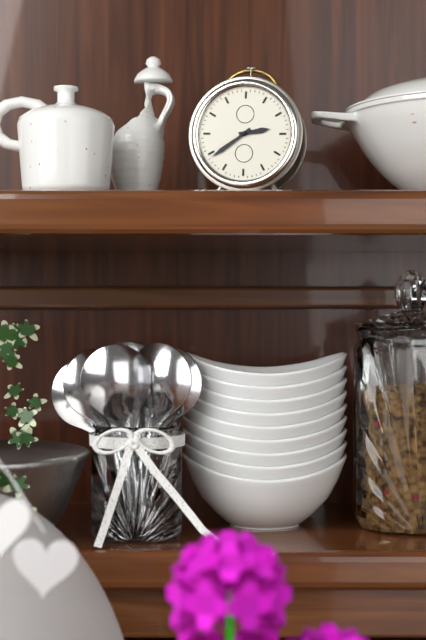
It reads {"hour": 2, "minute": 39}
